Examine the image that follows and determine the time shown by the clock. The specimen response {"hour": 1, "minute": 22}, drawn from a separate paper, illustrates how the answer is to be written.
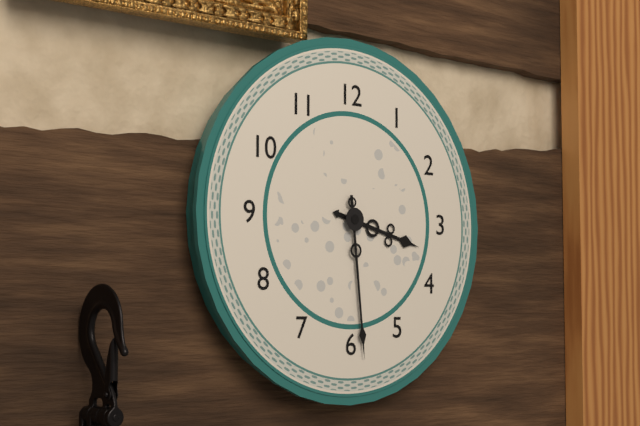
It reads {"hour": 3, "minute": 29}
